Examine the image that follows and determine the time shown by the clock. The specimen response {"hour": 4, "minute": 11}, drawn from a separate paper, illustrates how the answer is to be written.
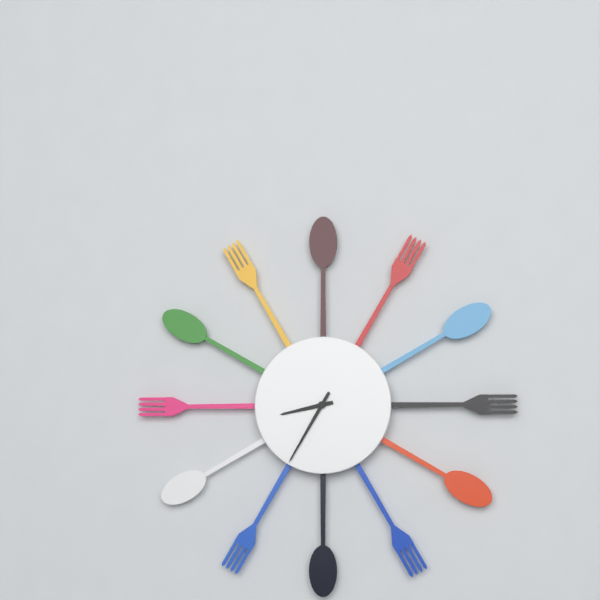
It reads {"hour": 8, "minute": 35}
